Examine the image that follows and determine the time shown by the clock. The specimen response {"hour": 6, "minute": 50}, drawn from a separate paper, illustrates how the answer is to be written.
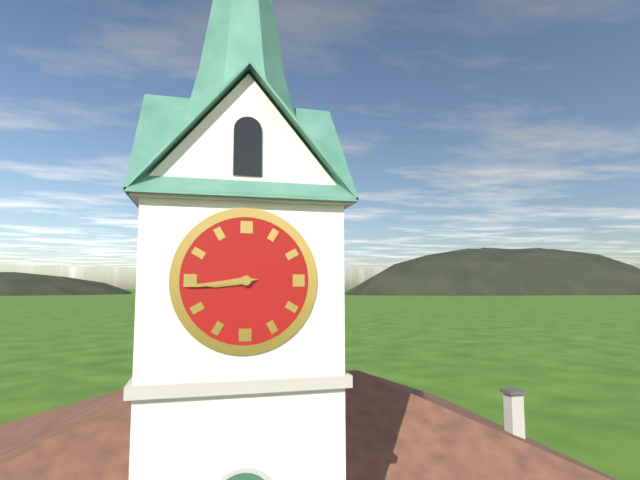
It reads {"hour": 8, "minute": 44}
